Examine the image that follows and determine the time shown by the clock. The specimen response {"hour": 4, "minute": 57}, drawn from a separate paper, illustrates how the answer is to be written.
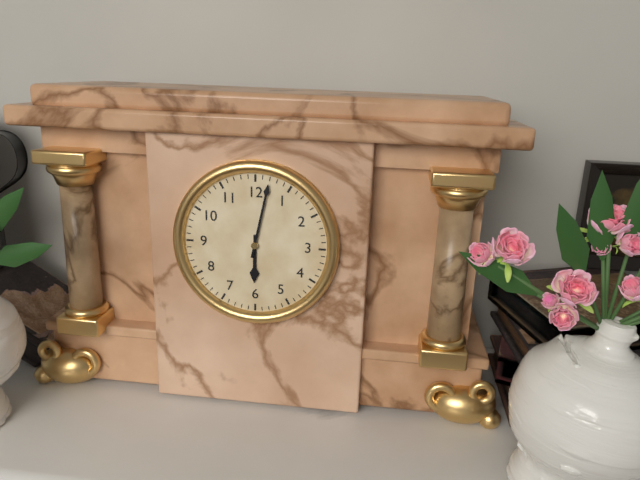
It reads {"hour": 6, "minute": 2}
